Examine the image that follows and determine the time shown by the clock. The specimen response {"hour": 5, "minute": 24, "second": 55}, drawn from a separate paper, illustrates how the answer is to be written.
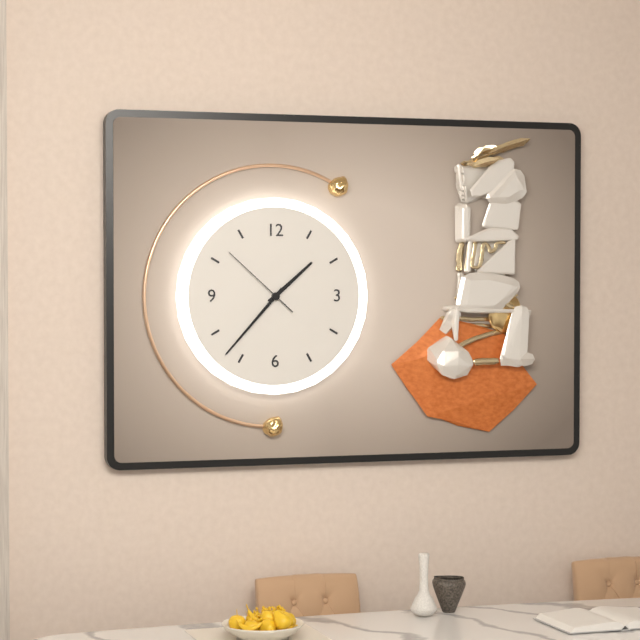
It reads {"hour": 1, "minute": 37, "second": 52}
